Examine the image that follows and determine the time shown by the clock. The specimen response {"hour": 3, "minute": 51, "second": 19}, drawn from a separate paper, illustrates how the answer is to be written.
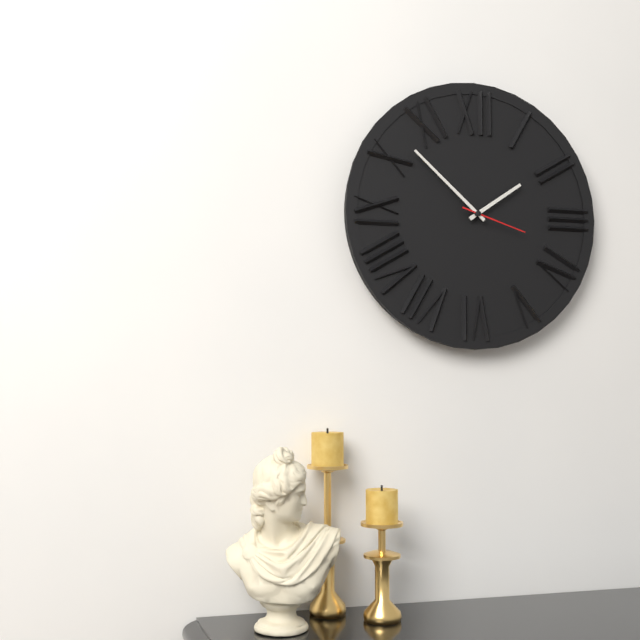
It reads {"hour": 1, "minute": 52, "second": 18}
